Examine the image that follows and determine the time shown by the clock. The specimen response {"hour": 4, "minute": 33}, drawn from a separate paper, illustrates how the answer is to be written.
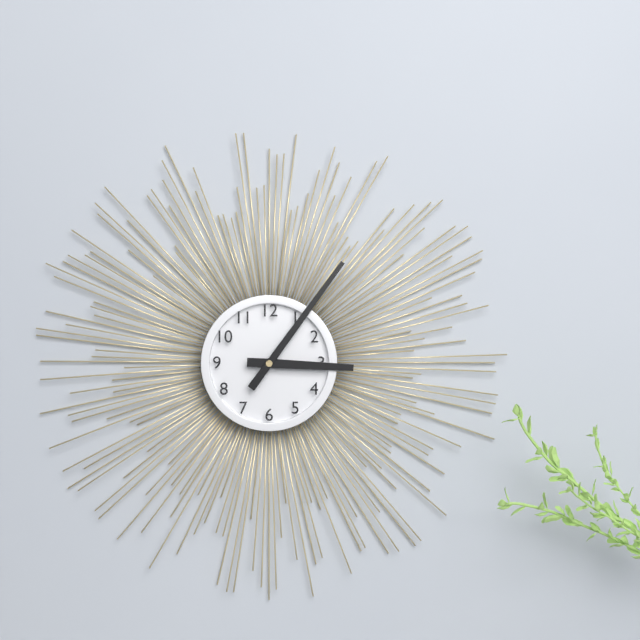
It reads {"hour": 3, "minute": 6}
